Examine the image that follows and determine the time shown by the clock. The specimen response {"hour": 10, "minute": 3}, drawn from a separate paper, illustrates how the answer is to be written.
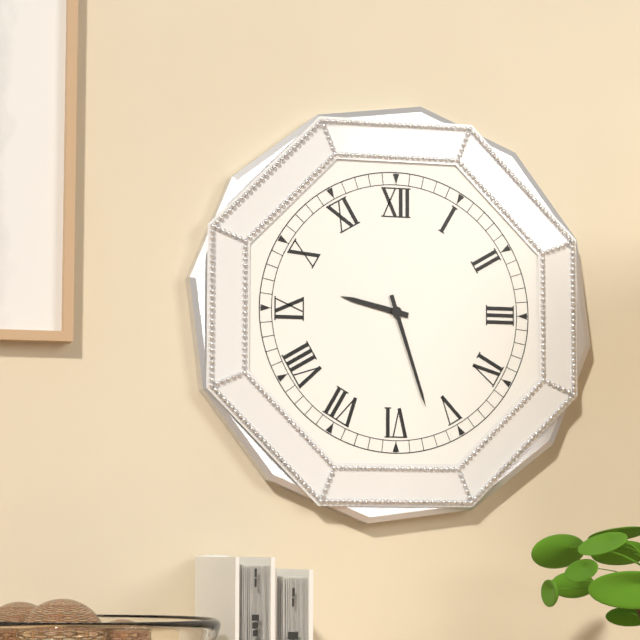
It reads {"hour": 9, "minute": 27}
